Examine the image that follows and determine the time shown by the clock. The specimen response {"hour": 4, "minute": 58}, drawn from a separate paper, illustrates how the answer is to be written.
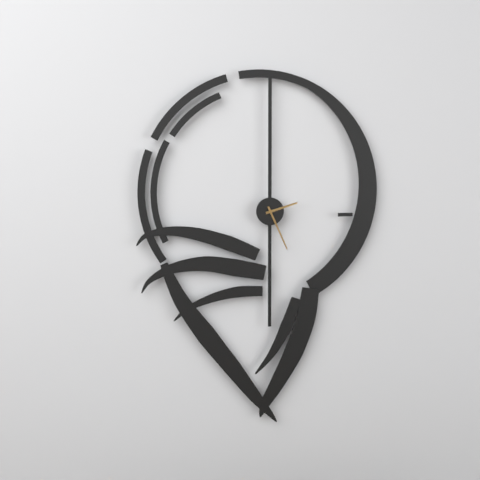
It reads {"hour": 2, "minute": 26}
